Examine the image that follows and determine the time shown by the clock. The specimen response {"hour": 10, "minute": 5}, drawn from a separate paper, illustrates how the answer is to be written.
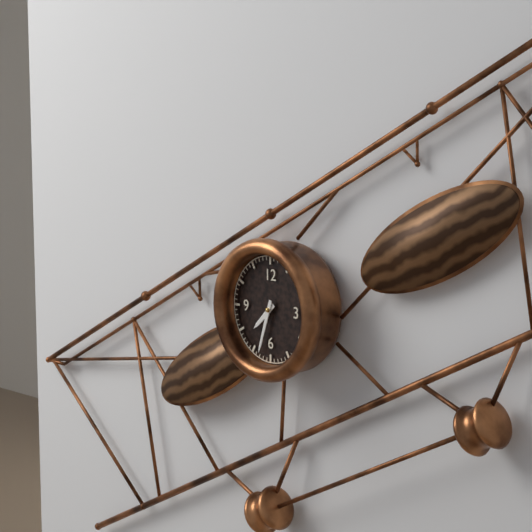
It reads {"hour": 7, "minute": 33}
